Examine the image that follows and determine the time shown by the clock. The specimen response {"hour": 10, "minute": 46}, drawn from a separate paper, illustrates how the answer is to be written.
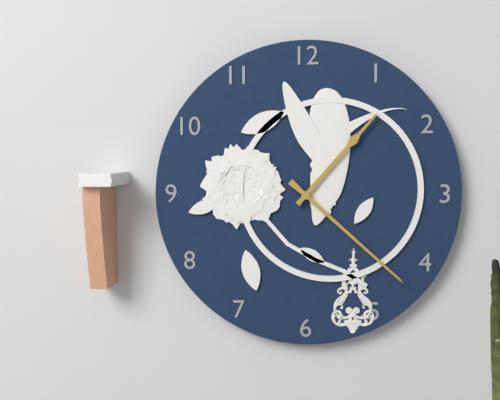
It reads {"hour": 1, "minute": 22}
